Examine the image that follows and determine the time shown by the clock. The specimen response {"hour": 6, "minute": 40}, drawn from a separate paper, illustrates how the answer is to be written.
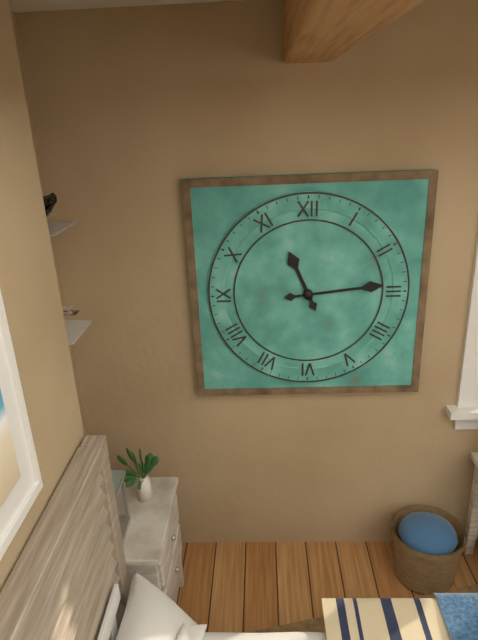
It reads {"hour": 11, "minute": 14}
